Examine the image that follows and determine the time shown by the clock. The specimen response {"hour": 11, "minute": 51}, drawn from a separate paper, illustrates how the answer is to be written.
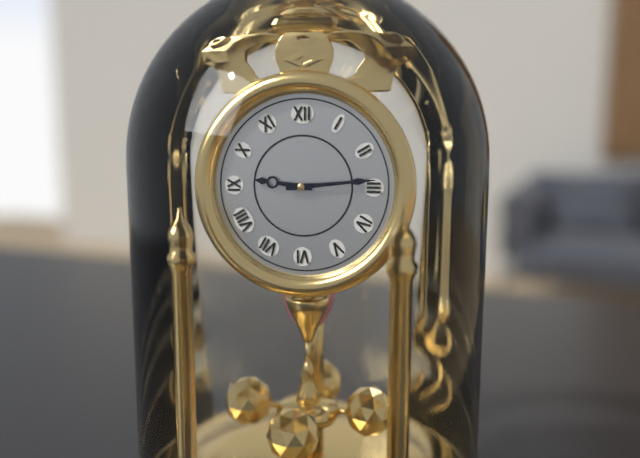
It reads {"hour": 9, "minute": 14}
